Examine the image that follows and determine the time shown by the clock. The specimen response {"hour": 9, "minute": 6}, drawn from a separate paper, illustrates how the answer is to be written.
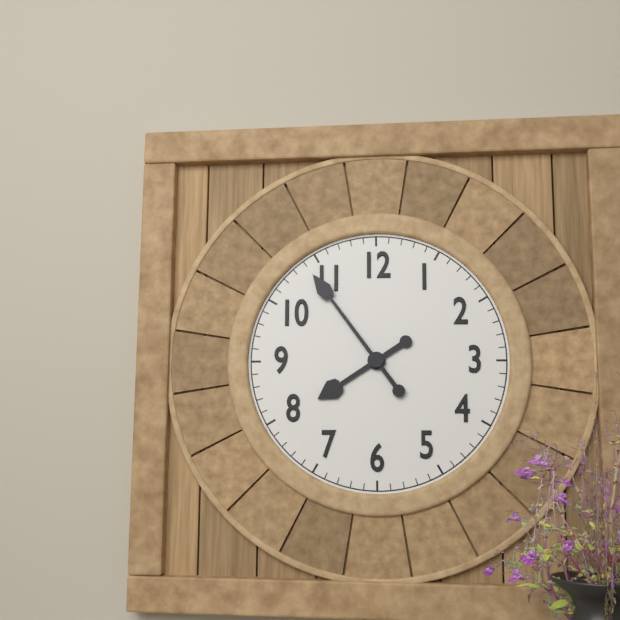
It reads {"hour": 7, "minute": 54}
